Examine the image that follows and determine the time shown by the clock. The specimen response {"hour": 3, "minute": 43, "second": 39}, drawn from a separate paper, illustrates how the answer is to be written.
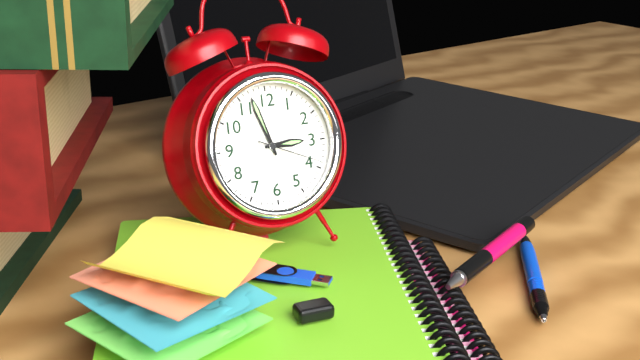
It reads {"hour": 2, "minute": 57, "second": 19}
